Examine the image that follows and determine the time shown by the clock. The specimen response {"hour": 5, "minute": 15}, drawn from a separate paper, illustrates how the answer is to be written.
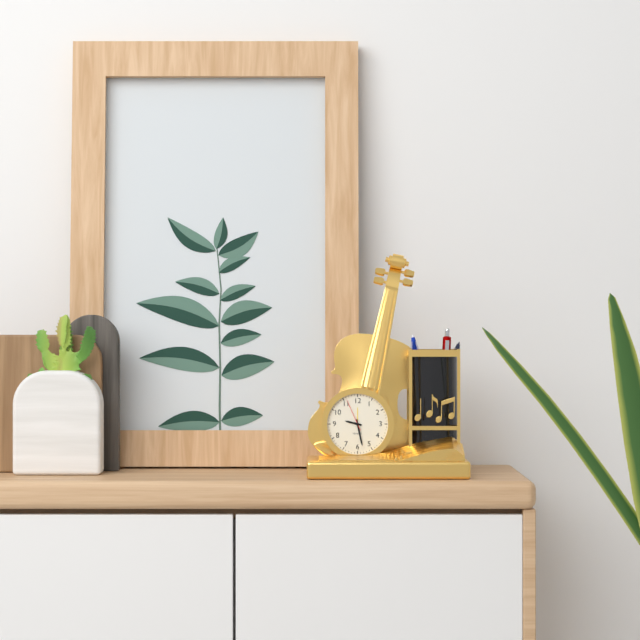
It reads {"hour": 9, "minute": 28}
